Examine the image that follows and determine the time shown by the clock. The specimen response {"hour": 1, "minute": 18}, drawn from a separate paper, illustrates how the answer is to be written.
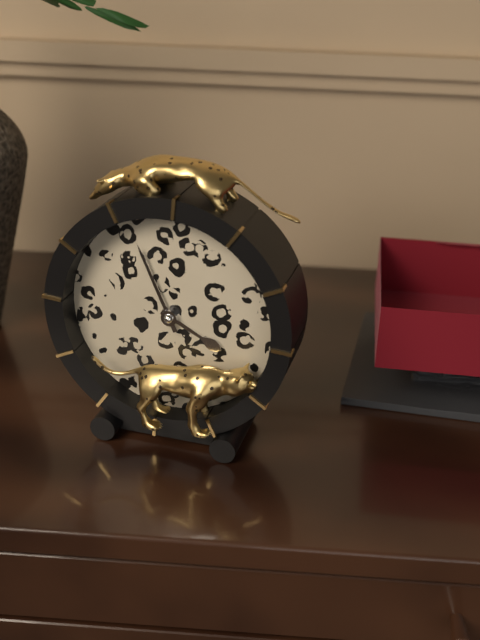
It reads {"hour": 3, "minute": 56}
